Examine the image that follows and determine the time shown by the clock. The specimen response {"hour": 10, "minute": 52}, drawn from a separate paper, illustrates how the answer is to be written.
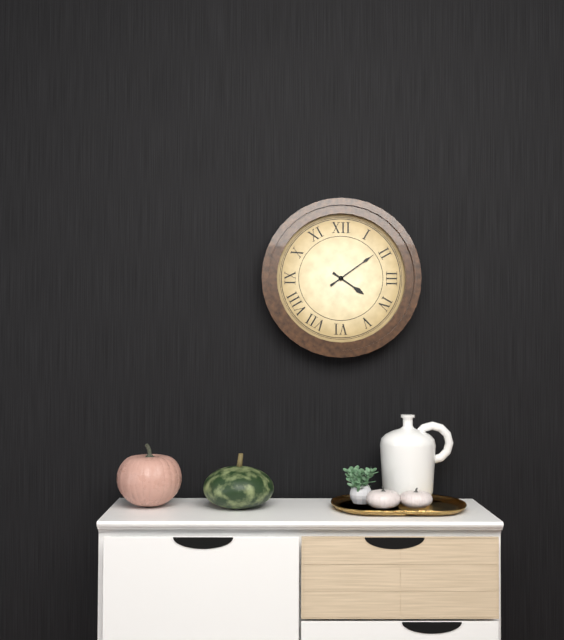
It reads {"hour": 4, "minute": 9}
